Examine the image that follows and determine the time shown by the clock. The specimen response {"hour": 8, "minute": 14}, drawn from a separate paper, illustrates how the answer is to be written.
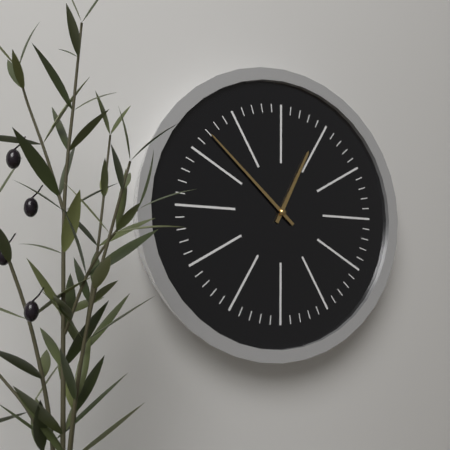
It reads {"hour": 12, "minute": 52}
